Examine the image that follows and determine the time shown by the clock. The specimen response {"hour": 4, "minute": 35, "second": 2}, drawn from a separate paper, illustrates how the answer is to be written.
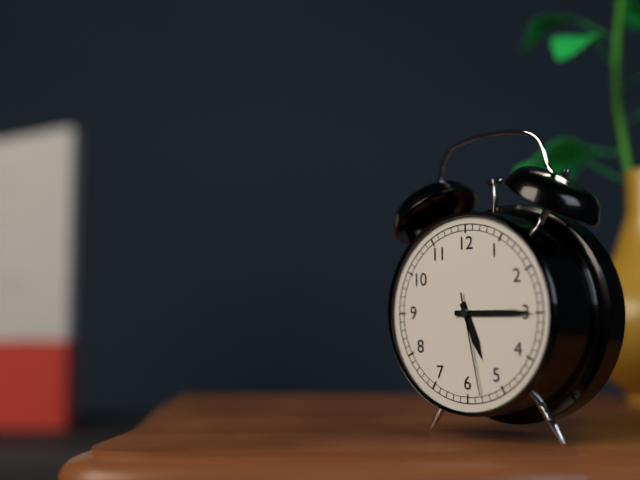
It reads {"hour": 5, "minute": 15, "second": 28}
